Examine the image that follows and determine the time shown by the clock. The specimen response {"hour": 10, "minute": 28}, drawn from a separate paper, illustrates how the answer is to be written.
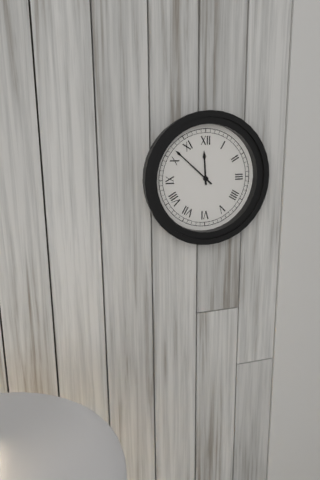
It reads {"hour": 11, "minute": 52}
